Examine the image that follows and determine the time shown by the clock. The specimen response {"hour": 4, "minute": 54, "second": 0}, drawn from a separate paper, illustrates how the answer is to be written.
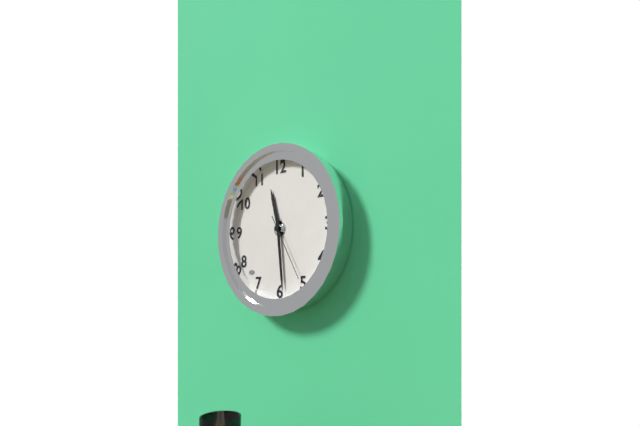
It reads {"hour": 11, "minute": 29, "second": 25}
